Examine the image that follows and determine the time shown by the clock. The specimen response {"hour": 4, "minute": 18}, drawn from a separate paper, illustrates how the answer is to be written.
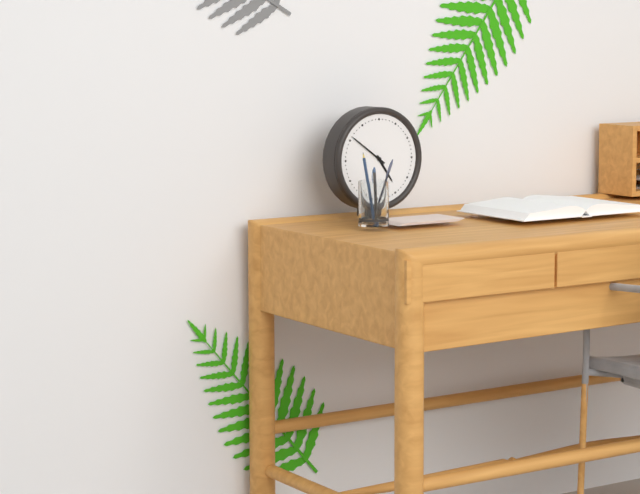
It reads {"hour": 4, "minute": 51}
